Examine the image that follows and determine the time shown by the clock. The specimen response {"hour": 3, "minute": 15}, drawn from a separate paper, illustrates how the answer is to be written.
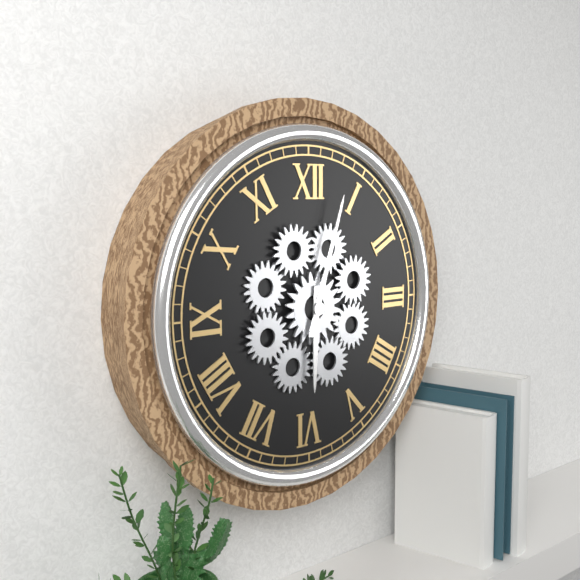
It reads {"hour": 6, "minute": 3}
